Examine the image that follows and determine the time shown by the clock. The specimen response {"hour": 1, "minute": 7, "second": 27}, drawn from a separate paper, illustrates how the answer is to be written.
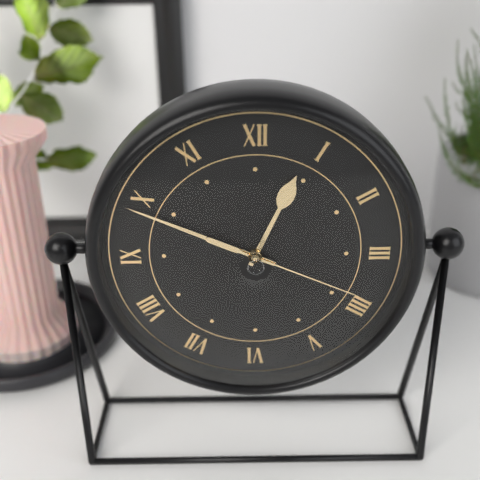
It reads {"hour": 12, "minute": 49, "second": 19}
